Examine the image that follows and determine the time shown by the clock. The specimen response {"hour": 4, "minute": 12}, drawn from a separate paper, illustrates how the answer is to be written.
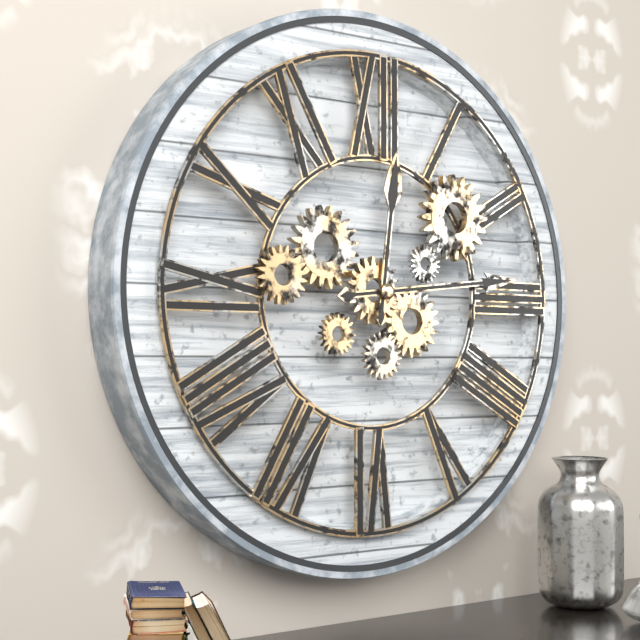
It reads {"hour": 12, "minute": 14}
